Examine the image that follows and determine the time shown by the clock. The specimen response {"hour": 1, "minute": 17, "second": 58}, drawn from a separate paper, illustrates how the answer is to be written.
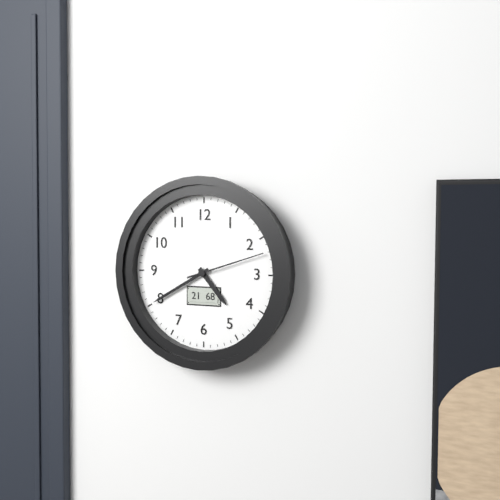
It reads {"hour": 4, "minute": 40, "second": 12}
